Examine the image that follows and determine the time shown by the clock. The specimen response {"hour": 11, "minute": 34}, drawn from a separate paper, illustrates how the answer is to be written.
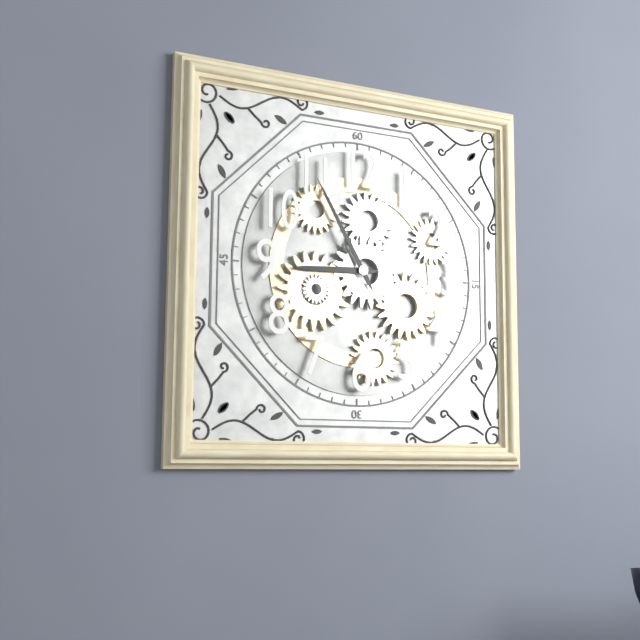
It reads {"hour": 8, "minute": 55}
